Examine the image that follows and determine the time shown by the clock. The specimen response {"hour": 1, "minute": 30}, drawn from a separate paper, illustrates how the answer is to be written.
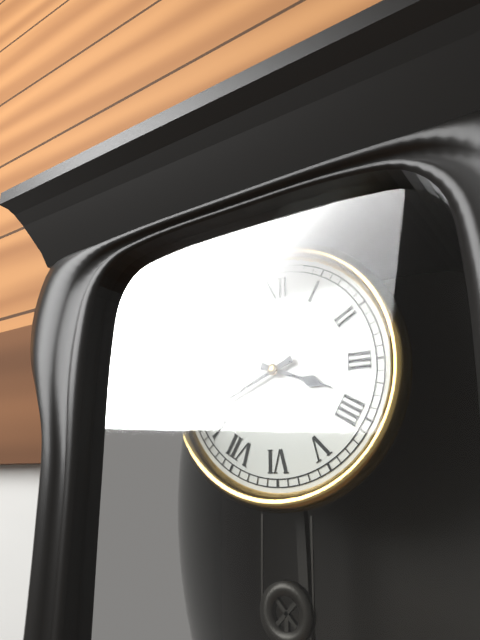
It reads {"hour": 3, "minute": 41}
